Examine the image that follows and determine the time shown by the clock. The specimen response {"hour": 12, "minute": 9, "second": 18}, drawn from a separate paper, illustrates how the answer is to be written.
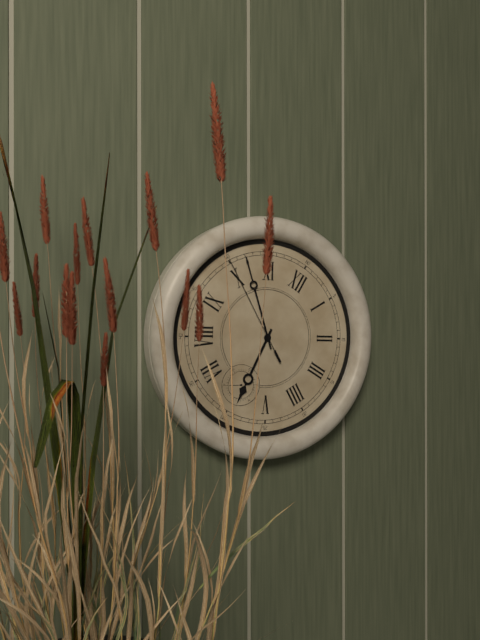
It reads {"hour": 5, "minute": 52, "second": 50}
